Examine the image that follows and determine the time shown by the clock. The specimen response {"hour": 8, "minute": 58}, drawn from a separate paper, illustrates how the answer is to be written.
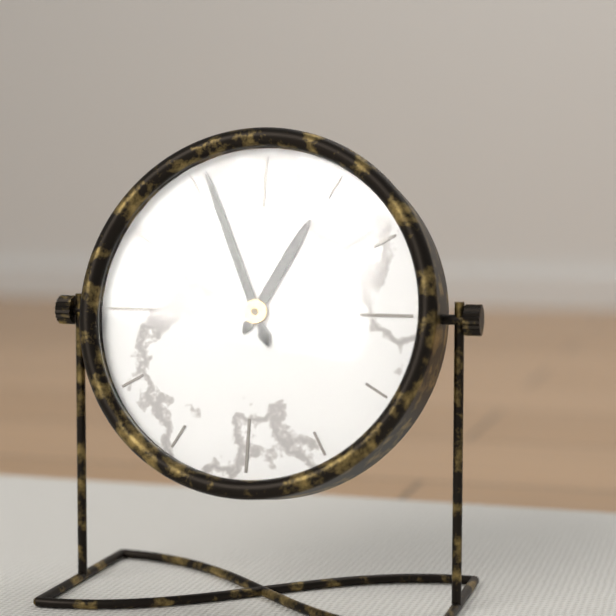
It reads {"hour": 12, "minute": 56}
